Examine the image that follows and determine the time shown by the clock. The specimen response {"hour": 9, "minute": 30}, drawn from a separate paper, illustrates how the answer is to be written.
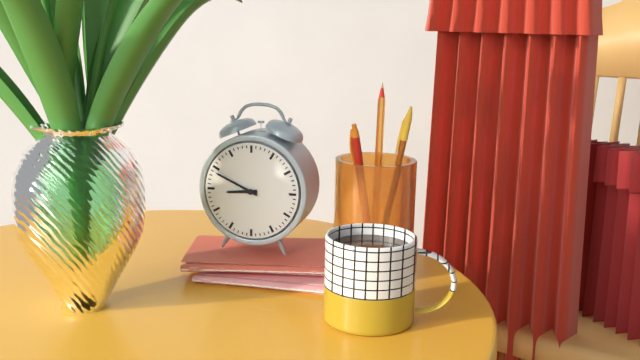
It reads {"hour": 8, "minute": 49}
